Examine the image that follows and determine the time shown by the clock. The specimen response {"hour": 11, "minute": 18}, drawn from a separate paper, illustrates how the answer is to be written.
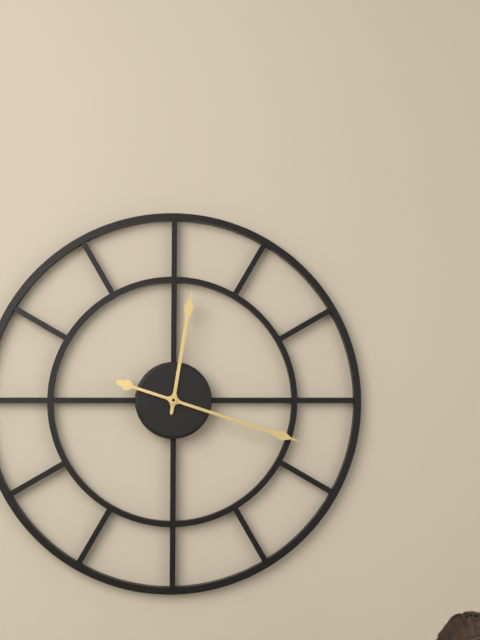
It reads {"hour": 12, "minute": 18}
